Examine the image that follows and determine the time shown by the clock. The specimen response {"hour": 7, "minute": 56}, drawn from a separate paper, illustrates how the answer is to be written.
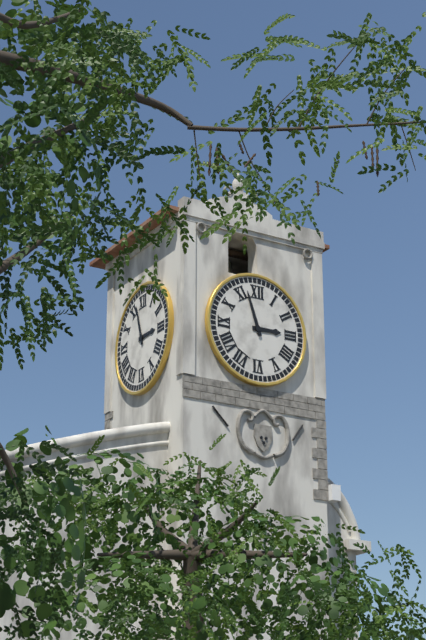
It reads {"hour": 2, "minute": 57}
